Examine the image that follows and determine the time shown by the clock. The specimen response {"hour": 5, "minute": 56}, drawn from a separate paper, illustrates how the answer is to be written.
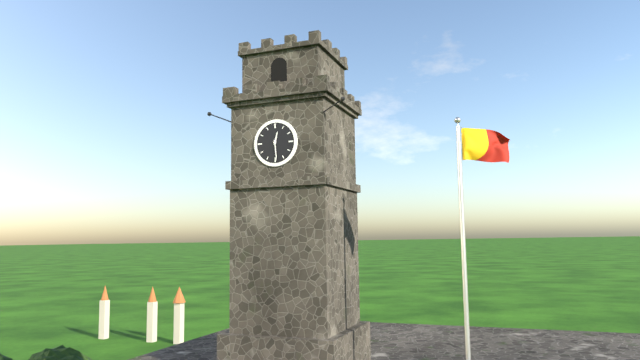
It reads {"hour": 12, "minute": 29}
